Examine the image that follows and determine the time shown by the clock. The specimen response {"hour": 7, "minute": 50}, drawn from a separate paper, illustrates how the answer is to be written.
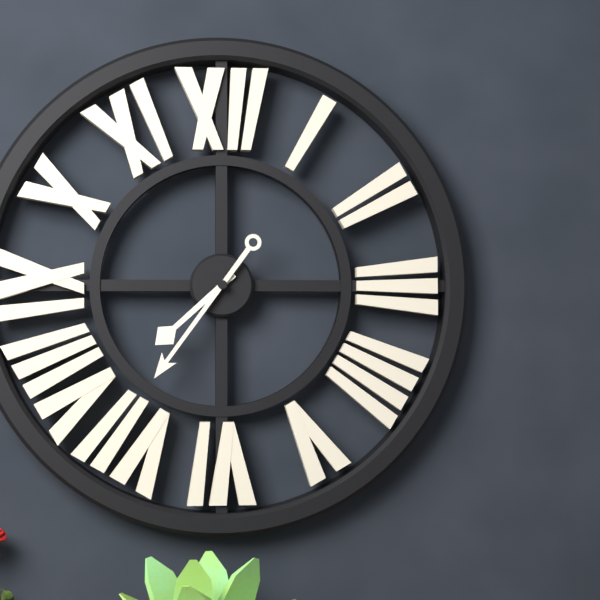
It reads {"hour": 7, "minute": 36}
